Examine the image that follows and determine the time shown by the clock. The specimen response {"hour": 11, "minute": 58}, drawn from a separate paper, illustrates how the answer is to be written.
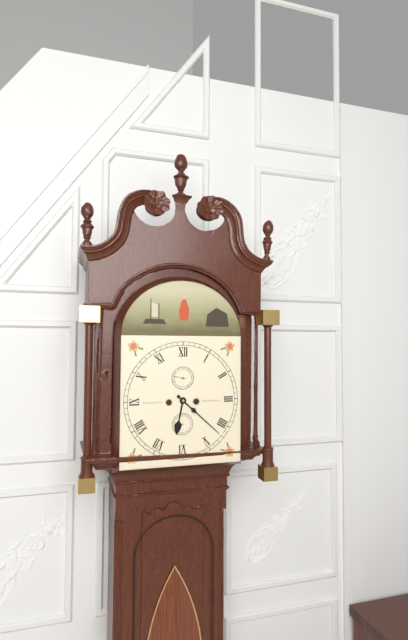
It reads {"hour": 6, "minute": 22}
